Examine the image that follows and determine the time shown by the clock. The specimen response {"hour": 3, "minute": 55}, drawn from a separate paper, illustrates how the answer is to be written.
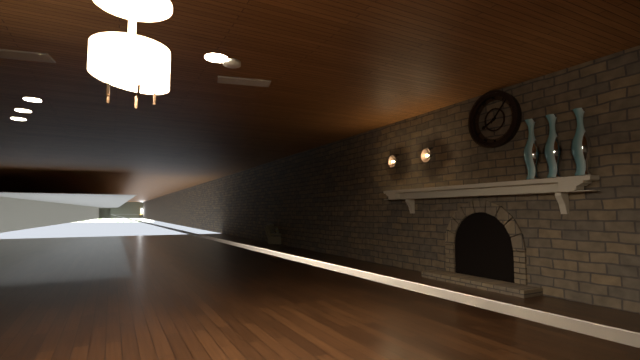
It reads {"hour": 8, "minute": 7}
